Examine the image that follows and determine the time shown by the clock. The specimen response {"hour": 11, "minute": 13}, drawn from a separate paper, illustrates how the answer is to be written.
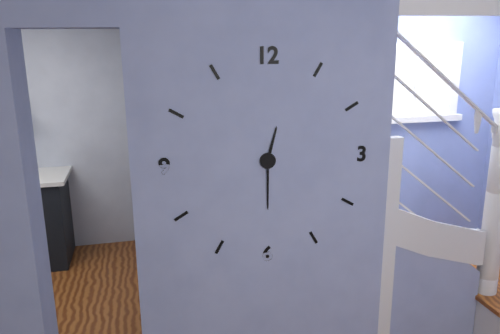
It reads {"hour": 12, "minute": 30}
